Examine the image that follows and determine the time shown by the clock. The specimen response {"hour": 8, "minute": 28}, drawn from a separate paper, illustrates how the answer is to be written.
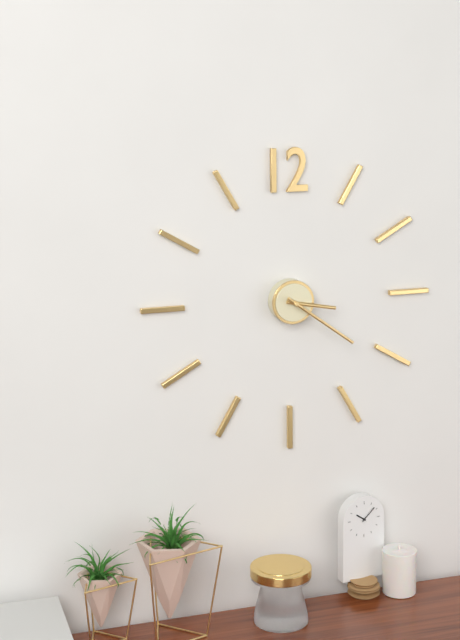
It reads {"hour": 3, "minute": 21}
